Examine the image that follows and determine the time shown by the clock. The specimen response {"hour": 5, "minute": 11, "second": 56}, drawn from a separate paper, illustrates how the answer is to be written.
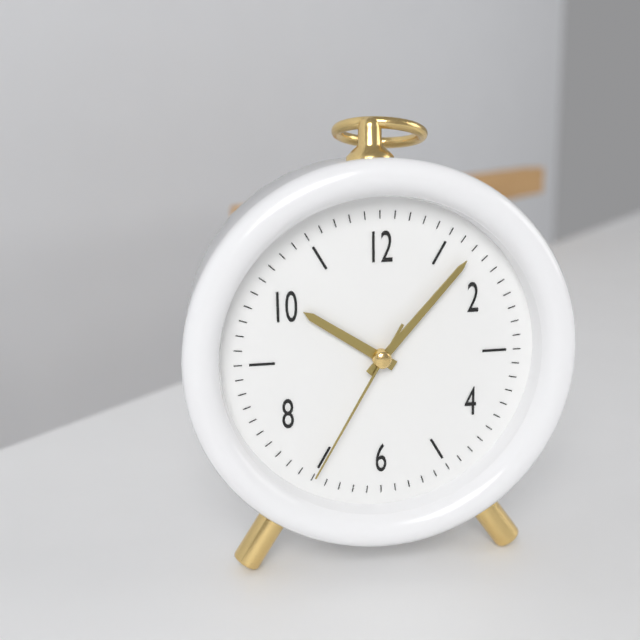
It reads {"hour": 10, "minute": 7, "second": 35}
